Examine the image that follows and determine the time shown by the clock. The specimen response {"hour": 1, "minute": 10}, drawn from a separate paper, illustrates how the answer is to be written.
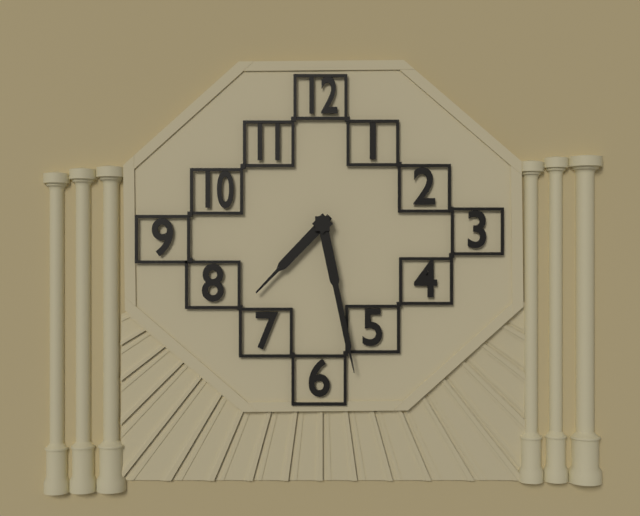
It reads {"hour": 7, "minute": 28}
